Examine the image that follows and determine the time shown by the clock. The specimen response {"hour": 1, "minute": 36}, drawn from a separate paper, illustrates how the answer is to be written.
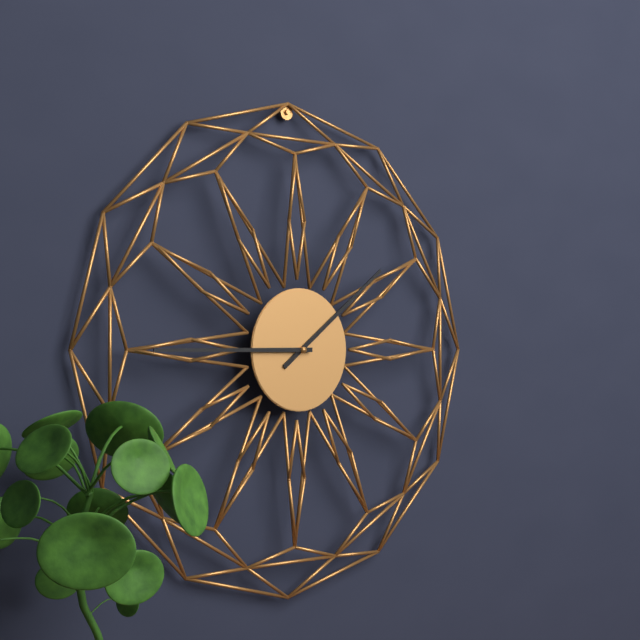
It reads {"hour": 1, "minute": 45}
